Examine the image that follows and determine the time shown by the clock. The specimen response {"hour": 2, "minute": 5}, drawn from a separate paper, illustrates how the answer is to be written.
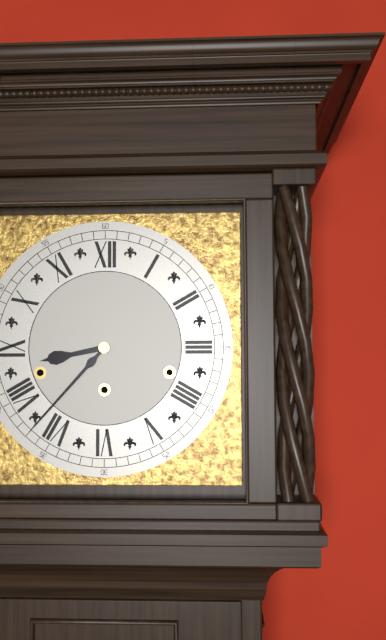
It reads {"hour": 8, "minute": 37}
